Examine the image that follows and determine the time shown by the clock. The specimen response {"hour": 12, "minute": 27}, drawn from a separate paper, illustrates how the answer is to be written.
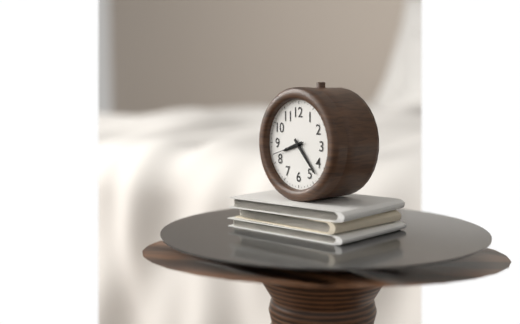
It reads {"hour": 8, "minute": 23}
